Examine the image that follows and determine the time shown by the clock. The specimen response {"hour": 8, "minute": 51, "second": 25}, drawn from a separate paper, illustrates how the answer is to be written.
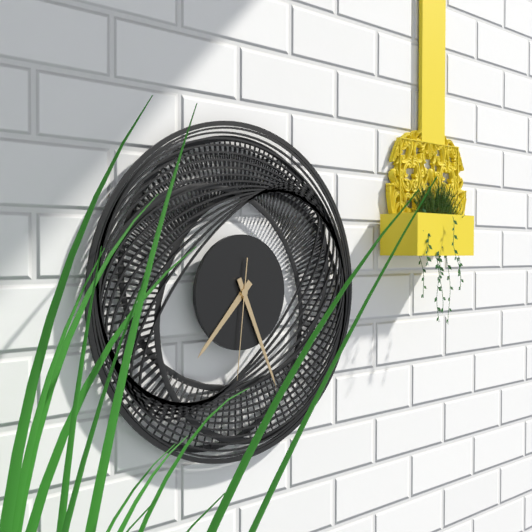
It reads {"hour": 7, "minute": 26, "second": 31}
